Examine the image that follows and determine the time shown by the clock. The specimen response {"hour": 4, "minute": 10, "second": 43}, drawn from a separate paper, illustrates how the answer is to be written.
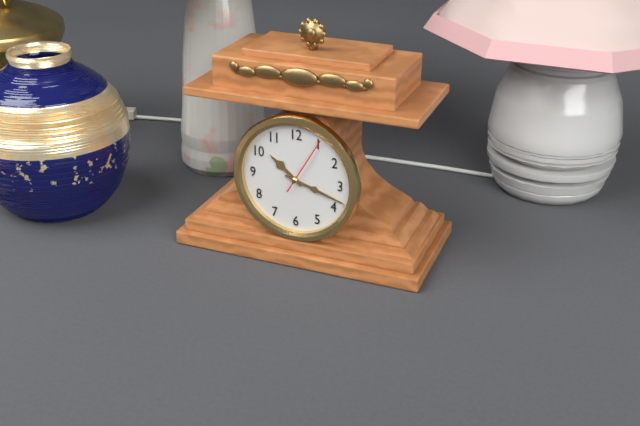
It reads {"hour": 10, "minute": 18, "second": 5}
